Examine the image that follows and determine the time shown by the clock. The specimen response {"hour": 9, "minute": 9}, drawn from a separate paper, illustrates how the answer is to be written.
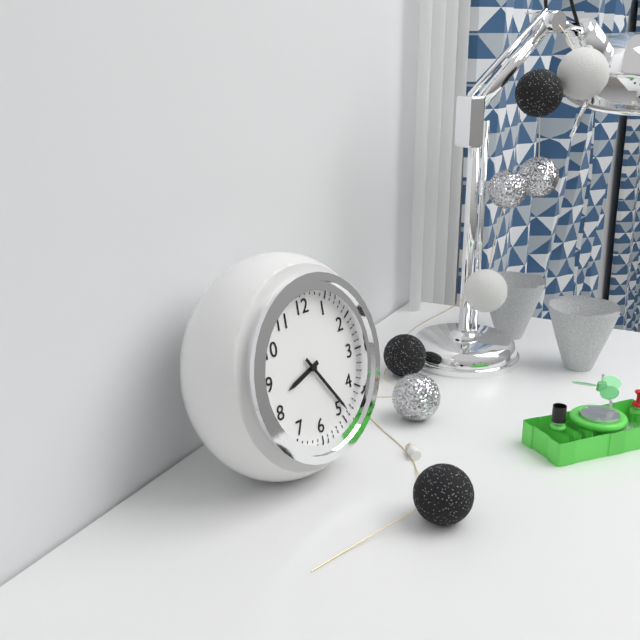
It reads {"hour": 8, "minute": 24}
